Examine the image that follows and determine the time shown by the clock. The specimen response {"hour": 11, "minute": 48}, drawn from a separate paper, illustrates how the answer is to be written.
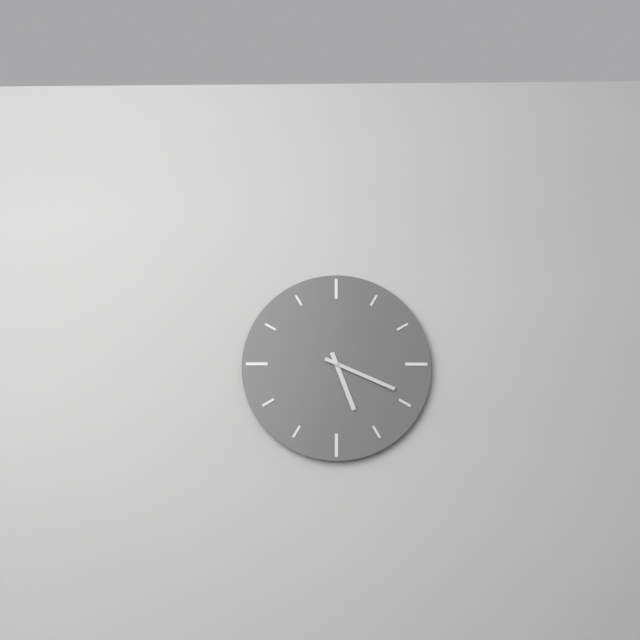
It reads {"hour": 5, "minute": 19}
